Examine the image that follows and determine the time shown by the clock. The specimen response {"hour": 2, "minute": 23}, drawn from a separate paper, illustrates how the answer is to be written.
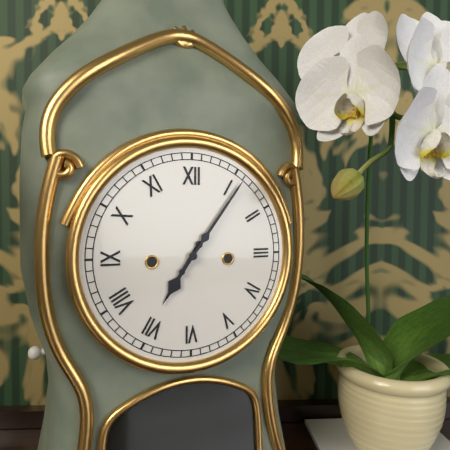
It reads {"hour": 7, "minute": 6}
